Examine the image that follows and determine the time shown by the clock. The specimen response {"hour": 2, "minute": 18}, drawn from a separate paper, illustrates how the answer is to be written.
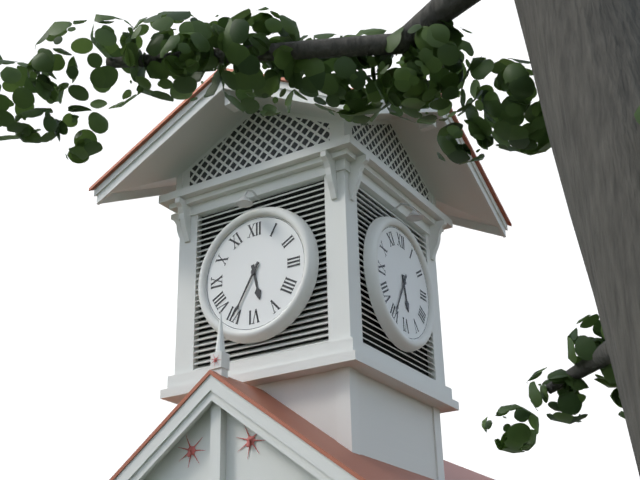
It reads {"hour": 5, "minute": 35}
